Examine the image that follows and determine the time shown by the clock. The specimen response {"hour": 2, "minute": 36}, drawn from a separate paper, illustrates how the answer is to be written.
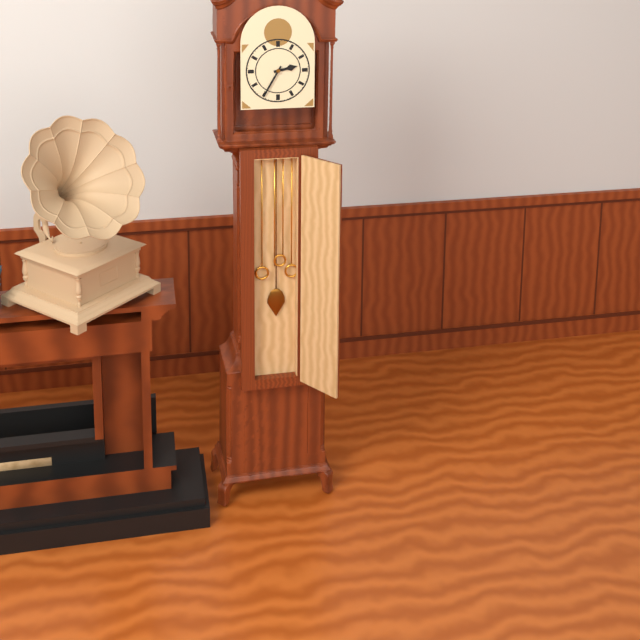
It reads {"hour": 2, "minute": 35}
